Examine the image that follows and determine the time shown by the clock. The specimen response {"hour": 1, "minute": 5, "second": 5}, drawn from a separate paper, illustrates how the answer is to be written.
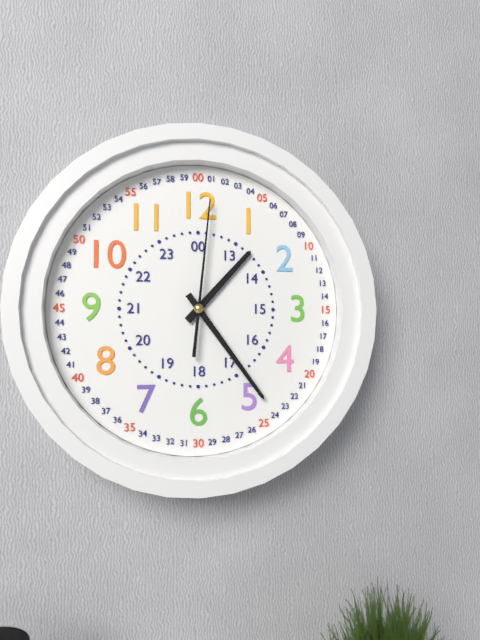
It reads {"hour": 1, "minute": 24, "second": 1}
